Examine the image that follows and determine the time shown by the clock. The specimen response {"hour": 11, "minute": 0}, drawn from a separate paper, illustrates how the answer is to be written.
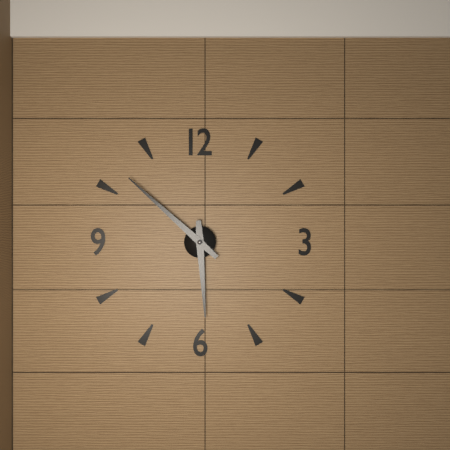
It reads {"hour": 5, "minute": 52}
